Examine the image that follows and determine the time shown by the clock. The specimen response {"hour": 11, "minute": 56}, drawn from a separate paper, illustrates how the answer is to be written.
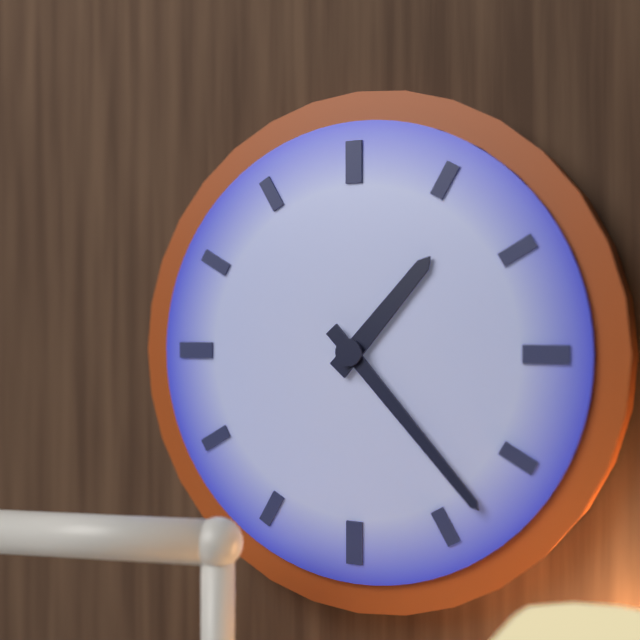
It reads {"hour": 1, "minute": 23}
